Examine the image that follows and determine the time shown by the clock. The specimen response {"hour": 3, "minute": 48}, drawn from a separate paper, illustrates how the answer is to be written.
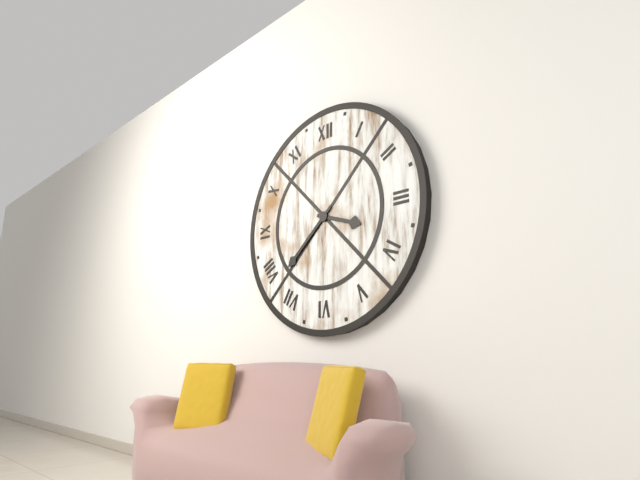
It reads {"hour": 3, "minute": 38}
